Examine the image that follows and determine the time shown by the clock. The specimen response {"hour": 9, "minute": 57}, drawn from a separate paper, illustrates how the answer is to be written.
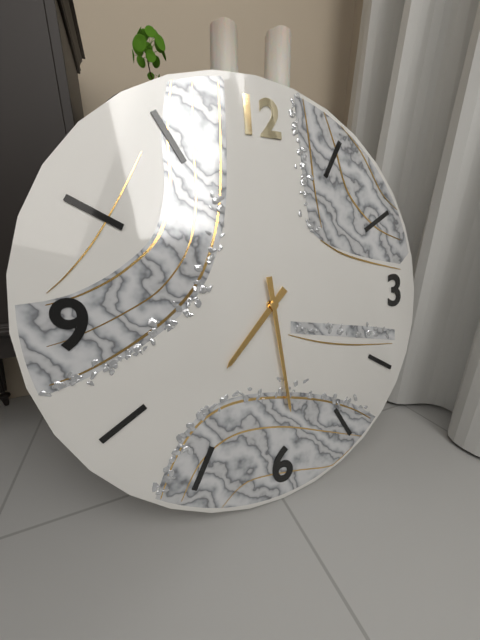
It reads {"hour": 7, "minute": 29}
